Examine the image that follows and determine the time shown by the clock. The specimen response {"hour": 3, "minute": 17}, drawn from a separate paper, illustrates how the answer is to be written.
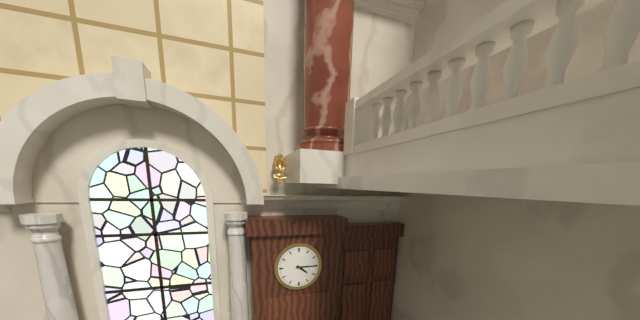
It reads {"hour": 4, "minute": 15}
